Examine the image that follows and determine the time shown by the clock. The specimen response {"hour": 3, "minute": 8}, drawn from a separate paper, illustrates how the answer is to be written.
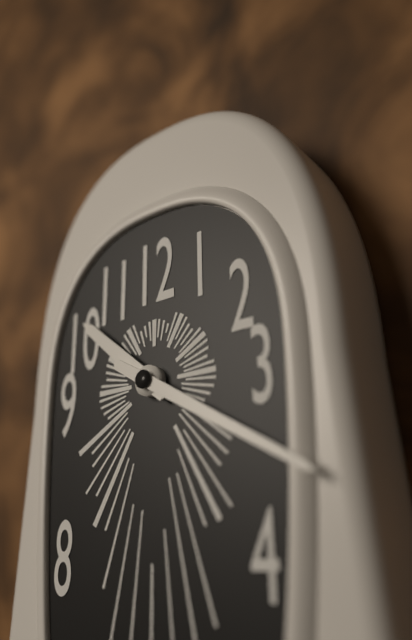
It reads {"hour": 10, "minute": 20}
